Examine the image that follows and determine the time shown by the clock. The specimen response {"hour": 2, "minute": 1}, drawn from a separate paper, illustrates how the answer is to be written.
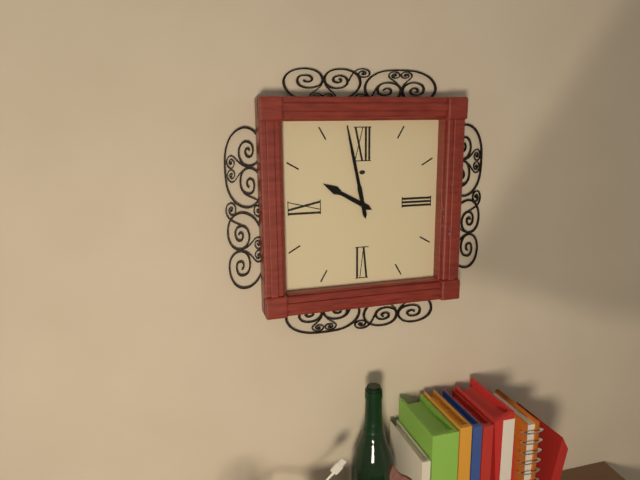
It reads {"hour": 9, "minute": 58}
